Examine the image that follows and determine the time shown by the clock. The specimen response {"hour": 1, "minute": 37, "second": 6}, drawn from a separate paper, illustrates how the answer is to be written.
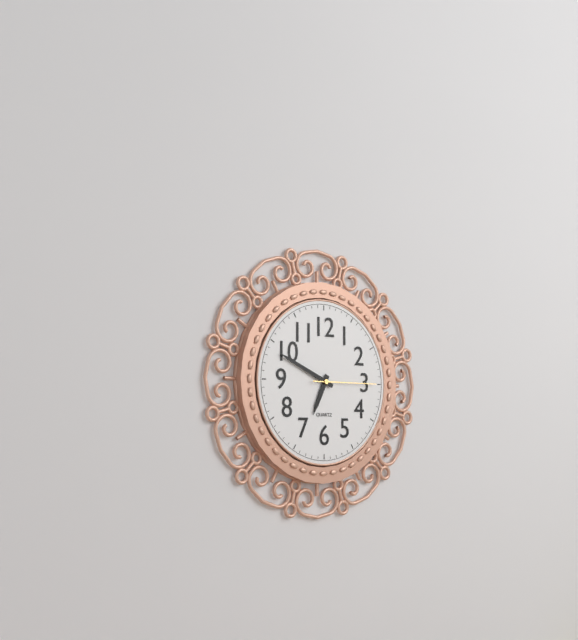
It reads {"hour": 6, "minute": 49, "second": 15}
